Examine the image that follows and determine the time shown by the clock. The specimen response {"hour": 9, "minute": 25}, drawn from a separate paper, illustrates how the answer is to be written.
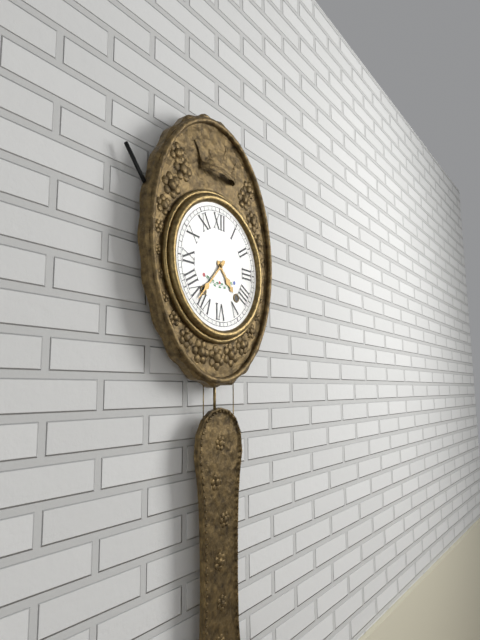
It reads {"hour": 4, "minute": 37}
